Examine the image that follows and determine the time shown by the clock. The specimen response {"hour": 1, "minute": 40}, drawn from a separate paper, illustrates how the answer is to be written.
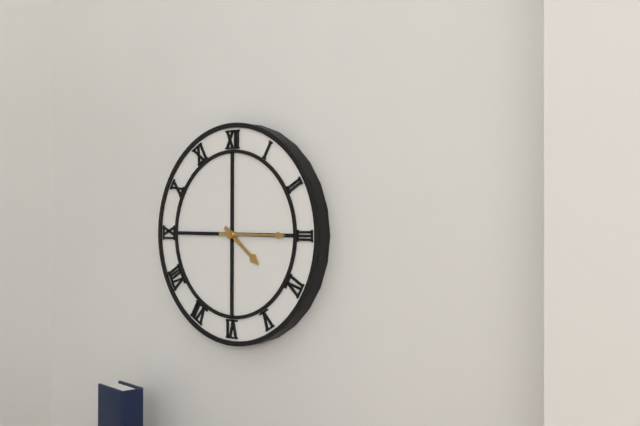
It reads {"hour": 4, "minute": 15}
